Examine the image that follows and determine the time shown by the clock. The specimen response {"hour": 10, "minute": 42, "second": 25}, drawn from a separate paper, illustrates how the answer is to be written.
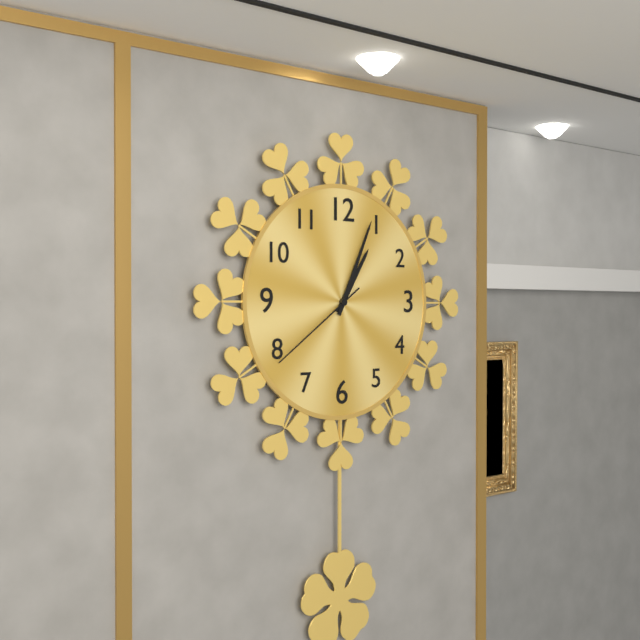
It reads {"hour": 1, "minute": 4, "second": 39}
